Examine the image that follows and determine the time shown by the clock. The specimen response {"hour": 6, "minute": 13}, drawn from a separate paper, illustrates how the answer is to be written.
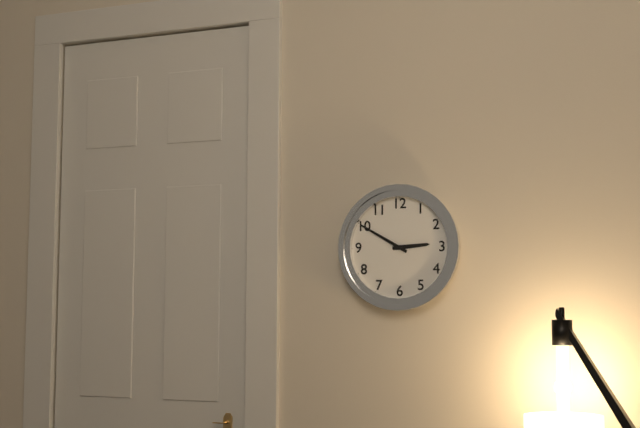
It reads {"hour": 2, "minute": 50}
